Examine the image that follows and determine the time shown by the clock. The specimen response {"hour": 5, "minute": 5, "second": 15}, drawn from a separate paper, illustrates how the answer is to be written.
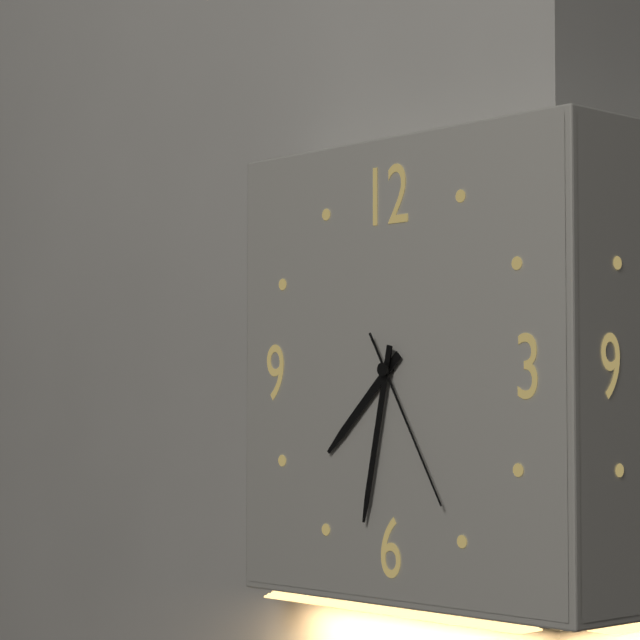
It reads {"hour": 7, "minute": 32, "second": 25}
